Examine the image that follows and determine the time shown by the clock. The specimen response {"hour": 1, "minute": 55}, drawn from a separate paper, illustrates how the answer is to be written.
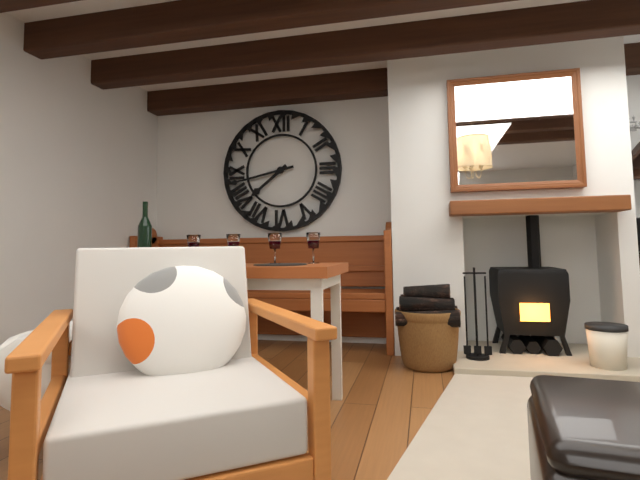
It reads {"hour": 7, "minute": 43}
